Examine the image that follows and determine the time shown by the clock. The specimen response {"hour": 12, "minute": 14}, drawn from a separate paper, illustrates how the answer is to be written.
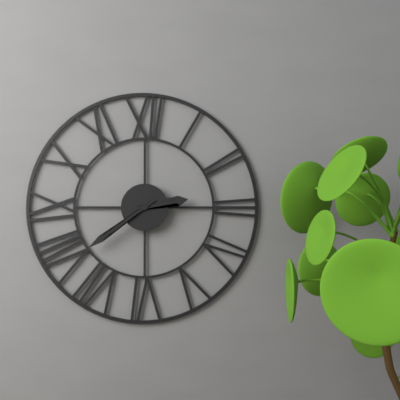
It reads {"hour": 2, "minute": 39}
